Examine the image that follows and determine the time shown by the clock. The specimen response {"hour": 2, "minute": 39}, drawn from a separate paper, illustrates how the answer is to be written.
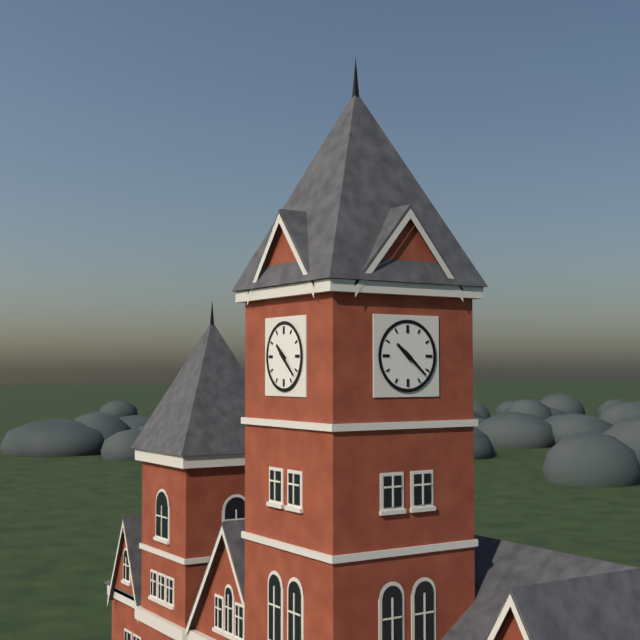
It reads {"hour": 10, "minute": 22}
